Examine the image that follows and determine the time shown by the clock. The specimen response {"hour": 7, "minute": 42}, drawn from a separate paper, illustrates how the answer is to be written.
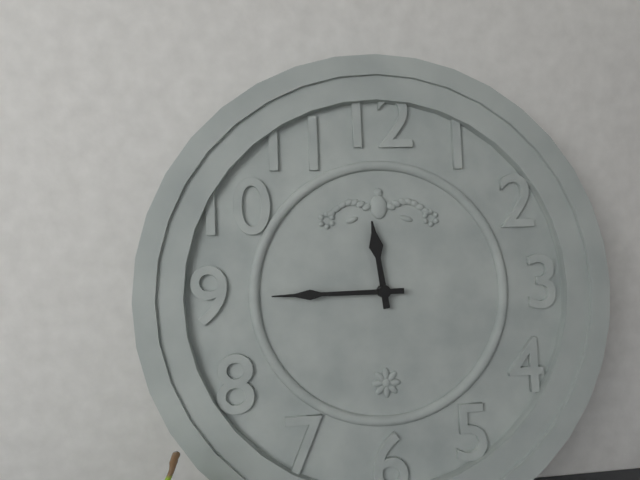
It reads {"hour": 11, "minute": 45}
